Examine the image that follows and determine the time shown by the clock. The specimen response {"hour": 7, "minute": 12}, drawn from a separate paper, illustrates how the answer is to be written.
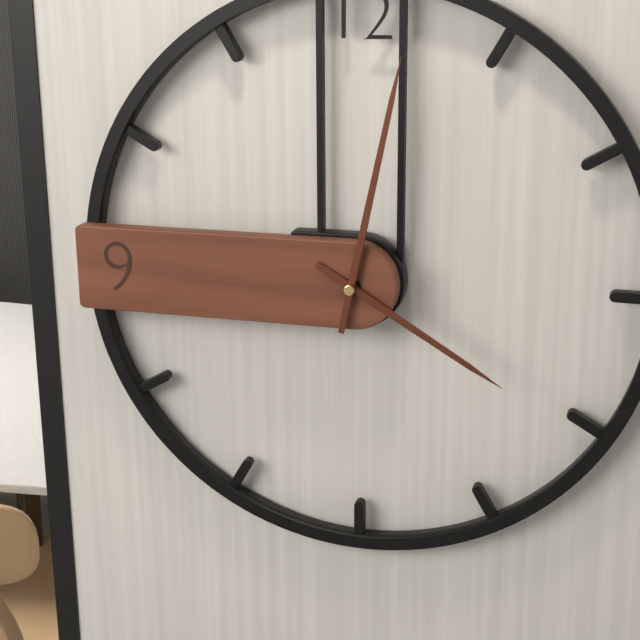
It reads {"hour": 4, "minute": 2}
